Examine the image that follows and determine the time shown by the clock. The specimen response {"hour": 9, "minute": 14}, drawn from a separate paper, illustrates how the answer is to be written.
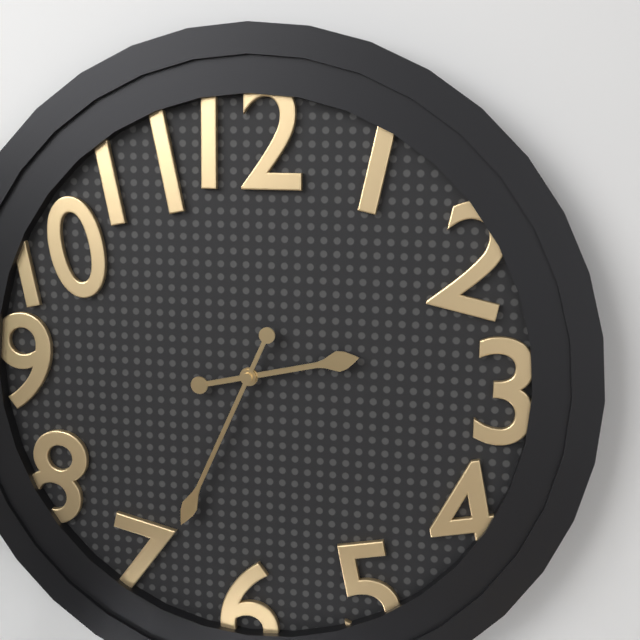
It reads {"hour": 2, "minute": 34}
